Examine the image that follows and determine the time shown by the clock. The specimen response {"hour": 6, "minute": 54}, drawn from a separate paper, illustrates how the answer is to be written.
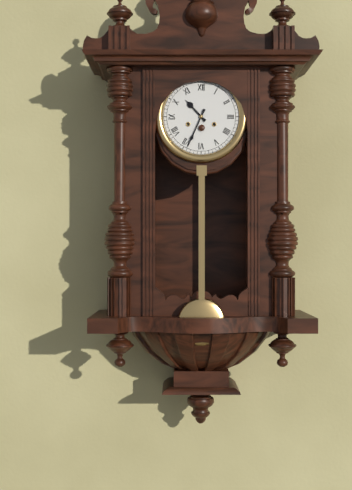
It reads {"hour": 10, "minute": 34}
